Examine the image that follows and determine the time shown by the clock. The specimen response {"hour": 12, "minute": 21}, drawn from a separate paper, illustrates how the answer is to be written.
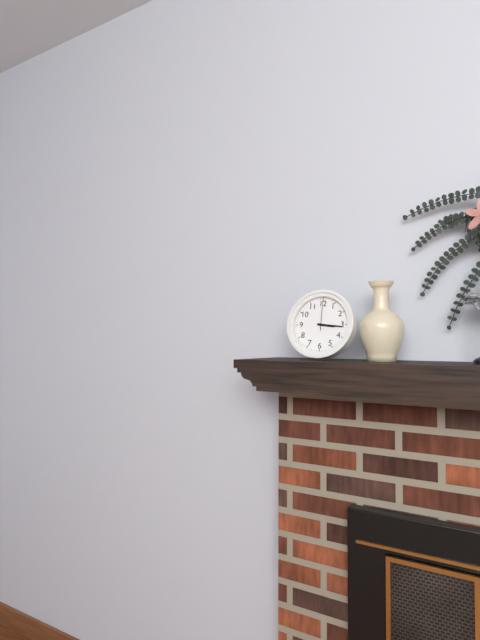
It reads {"hour": 3, "minute": 16}
